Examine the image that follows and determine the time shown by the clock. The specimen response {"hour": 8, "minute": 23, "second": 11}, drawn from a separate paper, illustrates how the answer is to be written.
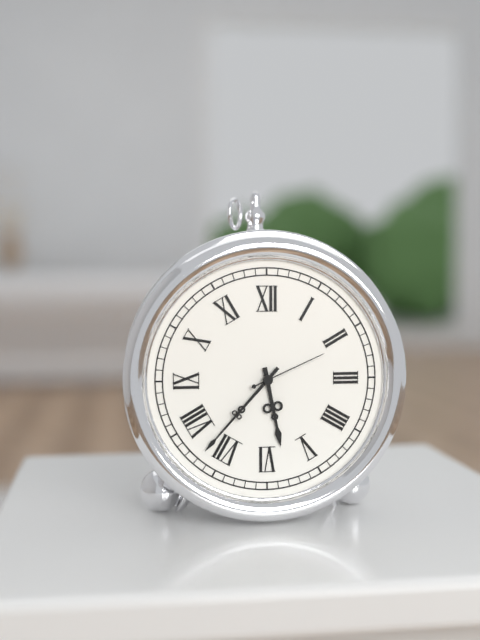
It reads {"hour": 5, "minute": 37, "second": 11}
